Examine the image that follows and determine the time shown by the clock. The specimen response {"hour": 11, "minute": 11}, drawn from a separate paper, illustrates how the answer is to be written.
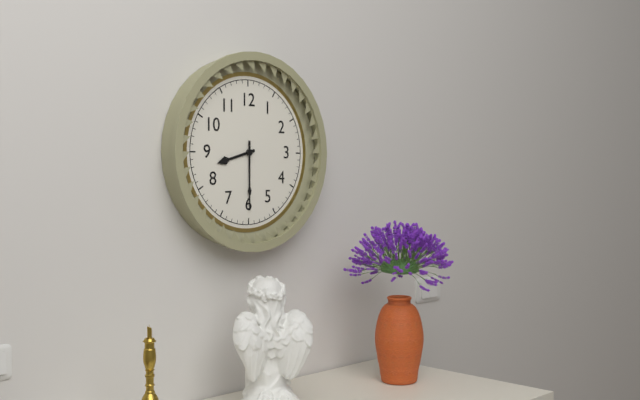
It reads {"hour": 8, "minute": 30}
